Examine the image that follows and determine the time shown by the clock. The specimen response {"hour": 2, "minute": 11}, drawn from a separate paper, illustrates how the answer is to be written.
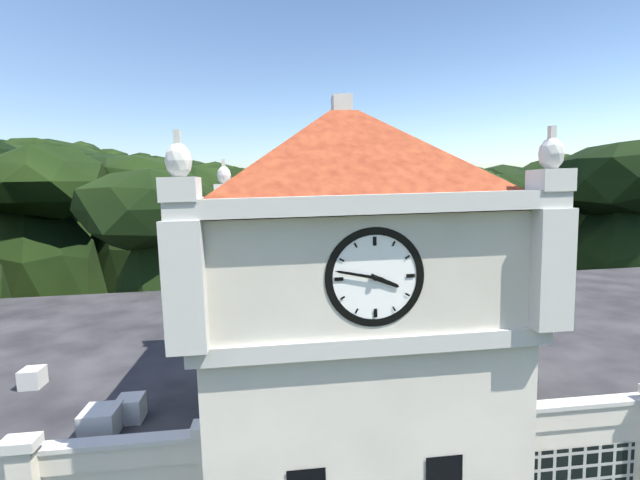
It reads {"hour": 3, "minute": 47}
